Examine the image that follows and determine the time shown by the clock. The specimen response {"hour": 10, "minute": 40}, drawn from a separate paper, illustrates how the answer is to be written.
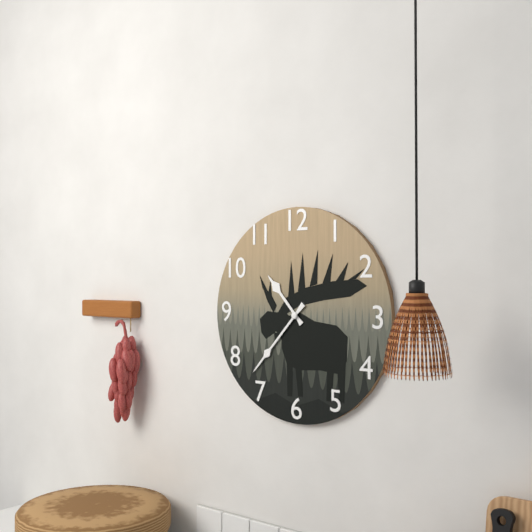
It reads {"hour": 10, "minute": 37}
